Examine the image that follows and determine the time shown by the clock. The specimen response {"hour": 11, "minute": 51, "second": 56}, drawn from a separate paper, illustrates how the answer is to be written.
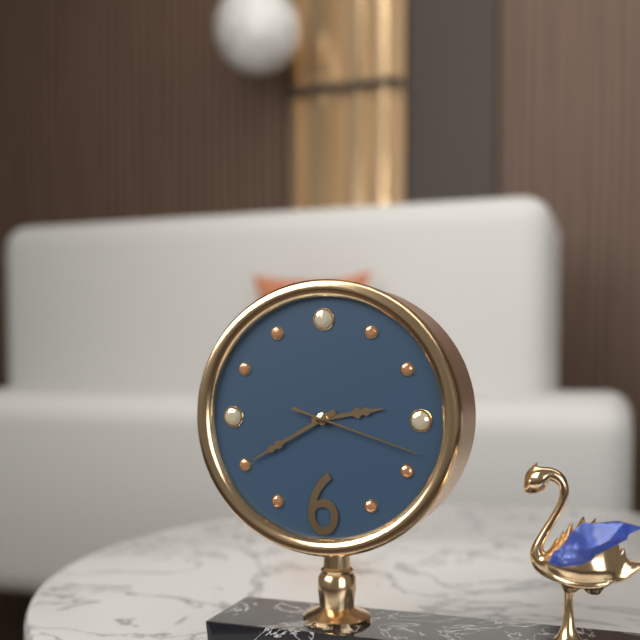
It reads {"hour": 2, "minute": 40, "second": 18}
